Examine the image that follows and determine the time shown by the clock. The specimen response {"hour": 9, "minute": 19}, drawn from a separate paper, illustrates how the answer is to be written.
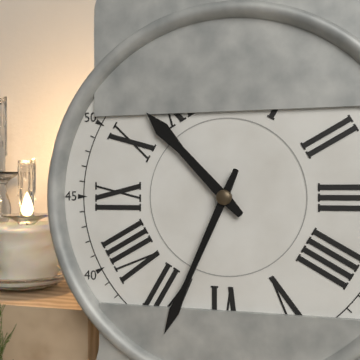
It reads {"hour": 10, "minute": 34}
